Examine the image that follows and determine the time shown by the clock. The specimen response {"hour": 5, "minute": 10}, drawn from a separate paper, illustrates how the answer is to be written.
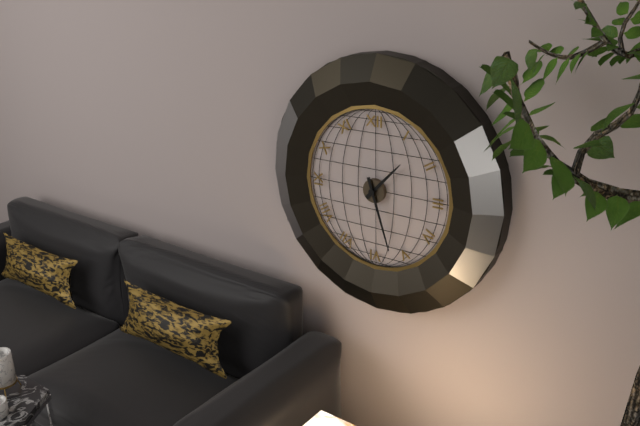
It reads {"hour": 1, "minute": 27}
